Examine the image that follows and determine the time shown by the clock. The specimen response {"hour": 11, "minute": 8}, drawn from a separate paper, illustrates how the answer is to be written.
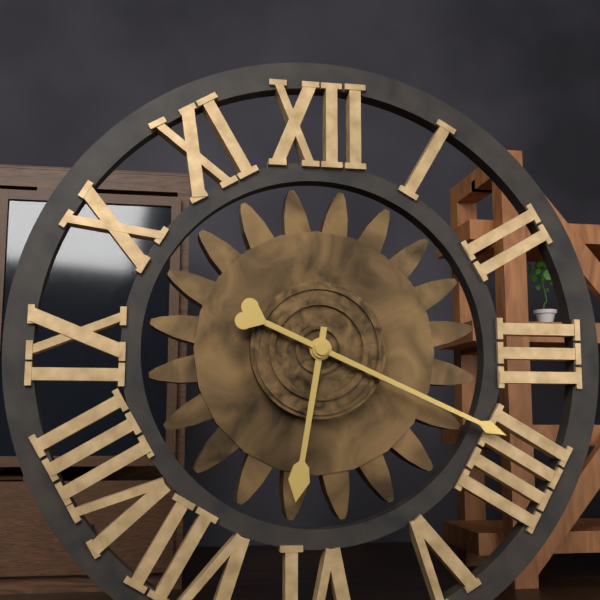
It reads {"hour": 6, "minute": 19}
